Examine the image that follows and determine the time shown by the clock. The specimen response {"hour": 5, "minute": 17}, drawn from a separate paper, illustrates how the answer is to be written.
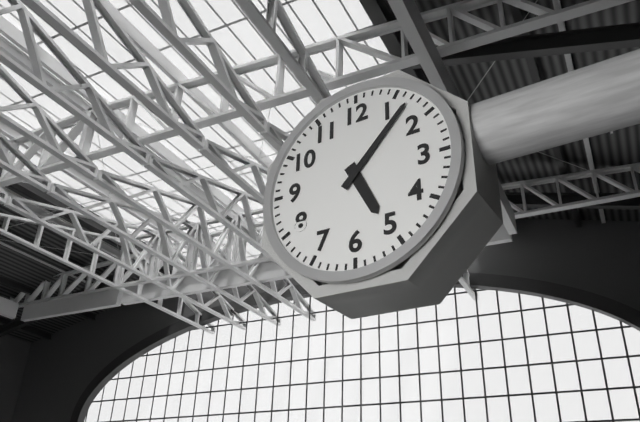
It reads {"hour": 5, "minute": 7}
